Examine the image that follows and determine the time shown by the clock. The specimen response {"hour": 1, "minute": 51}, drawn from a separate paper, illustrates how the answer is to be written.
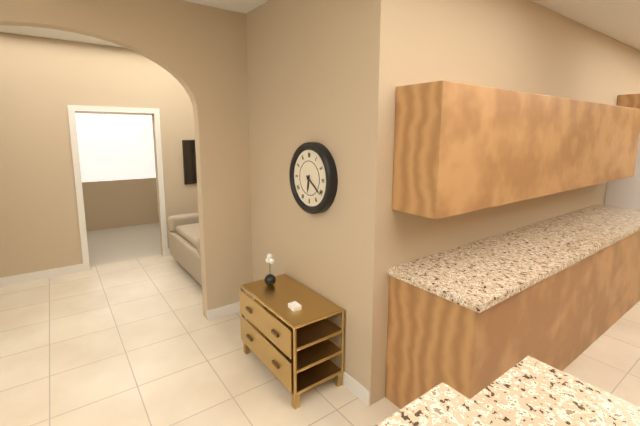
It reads {"hour": 6, "minute": 21}
